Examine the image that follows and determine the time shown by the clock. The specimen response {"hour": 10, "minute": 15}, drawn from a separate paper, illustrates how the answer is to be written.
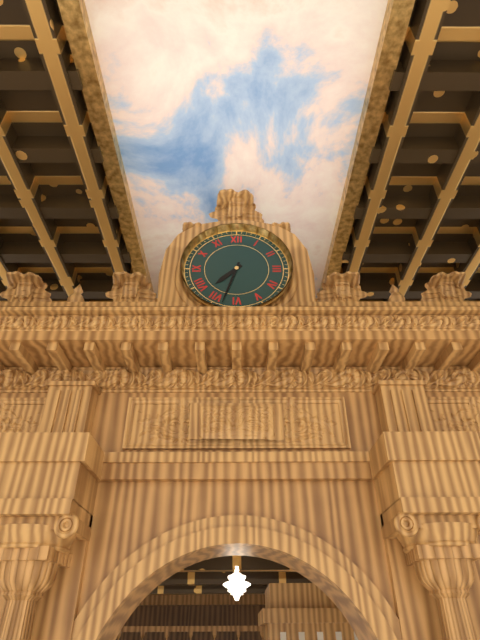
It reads {"hour": 7, "minute": 33}
